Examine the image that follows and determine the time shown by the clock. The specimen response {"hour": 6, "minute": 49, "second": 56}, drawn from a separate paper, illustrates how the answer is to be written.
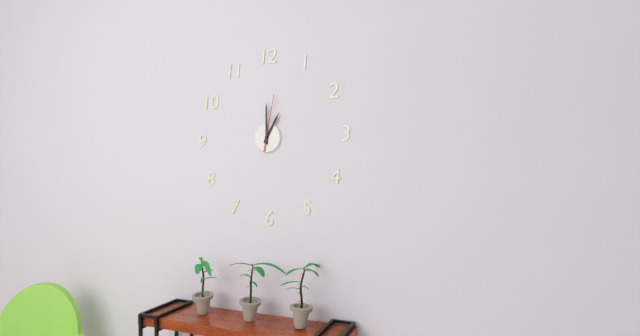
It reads {"hour": 1, "minute": 0, "second": 2}
